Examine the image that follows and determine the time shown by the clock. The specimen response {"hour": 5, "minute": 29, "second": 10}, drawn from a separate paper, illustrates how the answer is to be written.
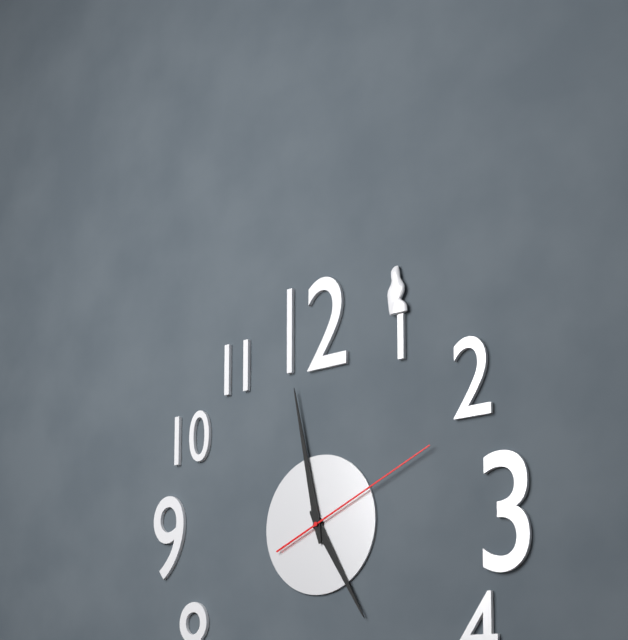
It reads {"hour": 4, "minute": 58, "second": 11}
